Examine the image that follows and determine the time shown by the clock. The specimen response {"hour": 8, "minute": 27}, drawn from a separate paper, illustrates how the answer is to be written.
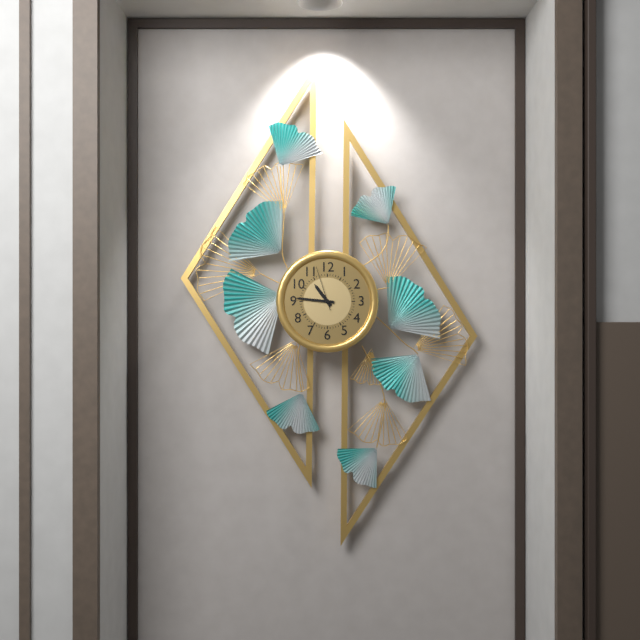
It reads {"hour": 10, "minute": 46}
